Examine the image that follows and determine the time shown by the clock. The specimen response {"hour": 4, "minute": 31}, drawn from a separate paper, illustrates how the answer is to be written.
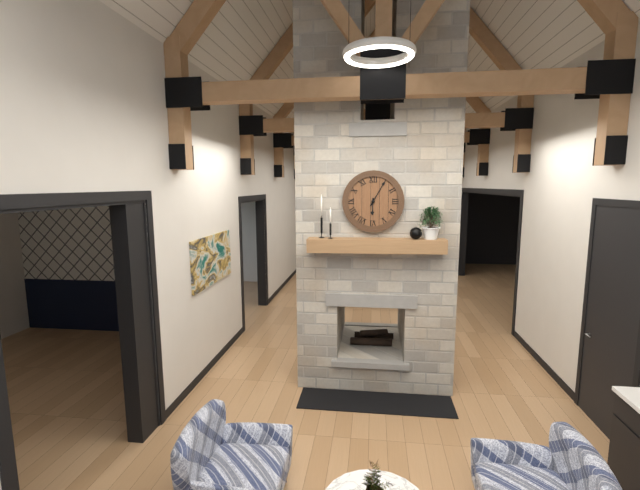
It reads {"hour": 6, "minute": 5}
